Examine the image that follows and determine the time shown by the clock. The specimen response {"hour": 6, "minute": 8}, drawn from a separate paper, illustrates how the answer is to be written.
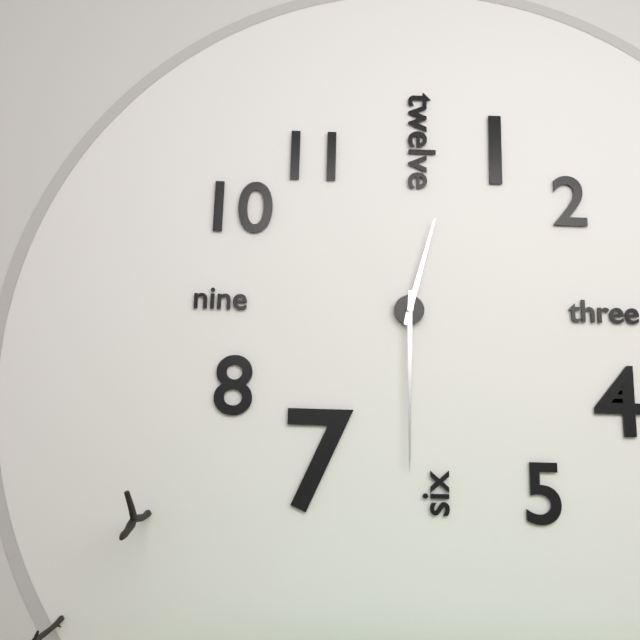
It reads {"hour": 12, "minute": 30}
